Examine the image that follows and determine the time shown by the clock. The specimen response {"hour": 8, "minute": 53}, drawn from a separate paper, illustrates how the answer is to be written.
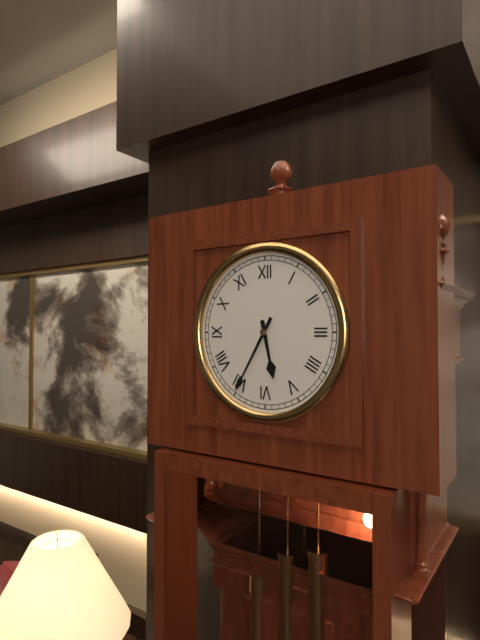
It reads {"hour": 5, "minute": 35}
